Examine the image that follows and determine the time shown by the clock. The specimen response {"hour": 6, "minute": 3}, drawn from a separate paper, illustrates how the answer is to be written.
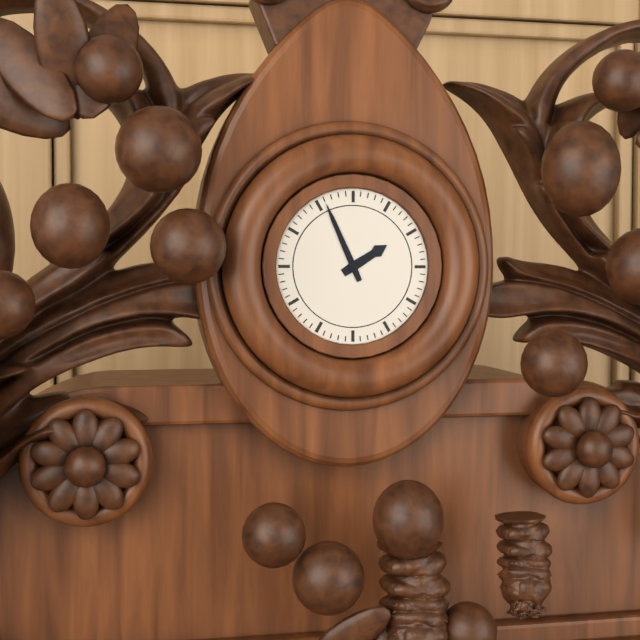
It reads {"hour": 1, "minute": 56}
